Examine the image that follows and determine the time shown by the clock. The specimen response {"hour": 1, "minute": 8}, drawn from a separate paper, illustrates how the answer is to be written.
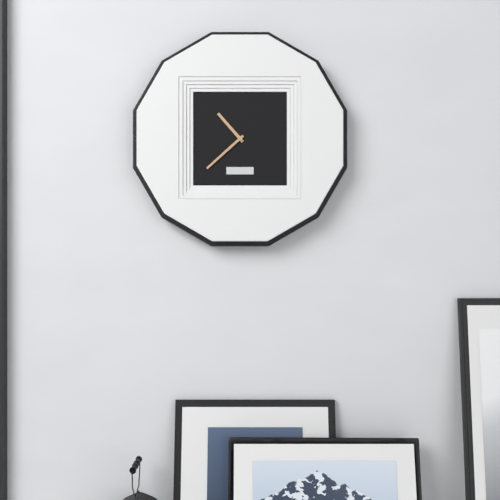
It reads {"hour": 10, "minute": 38}
